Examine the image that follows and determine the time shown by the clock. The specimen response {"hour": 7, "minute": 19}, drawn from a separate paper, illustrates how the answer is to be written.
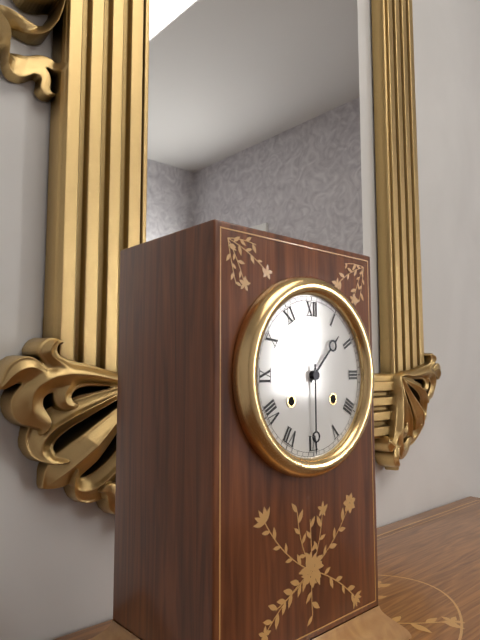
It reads {"hour": 1, "minute": 30}
